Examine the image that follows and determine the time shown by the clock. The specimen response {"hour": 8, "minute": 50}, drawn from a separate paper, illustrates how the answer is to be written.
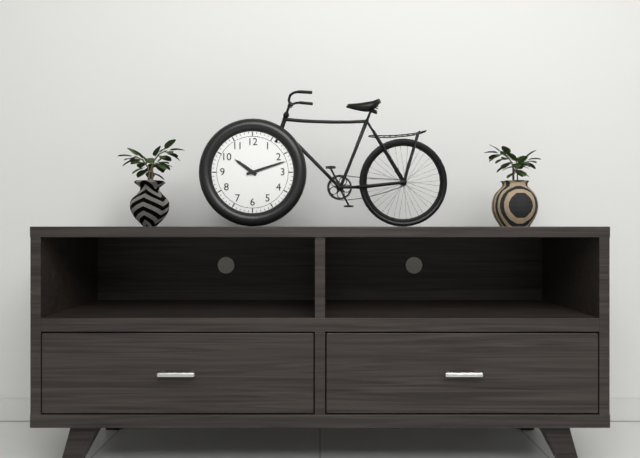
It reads {"hour": 10, "minute": 12}
